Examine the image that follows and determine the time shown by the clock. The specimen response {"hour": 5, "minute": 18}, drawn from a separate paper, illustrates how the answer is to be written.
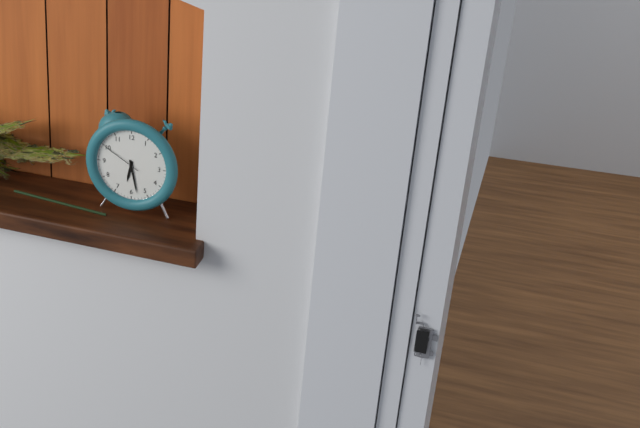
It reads {"hour": 6, "minute": 28}
